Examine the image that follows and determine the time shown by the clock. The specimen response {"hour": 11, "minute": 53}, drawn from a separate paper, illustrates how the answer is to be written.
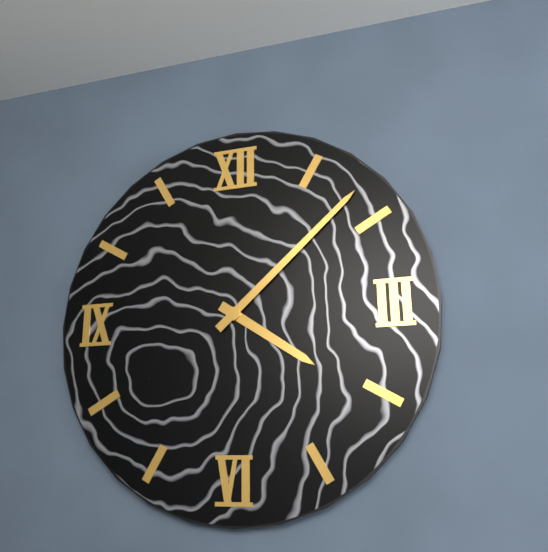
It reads {"hour": 4, "minute": 8}
